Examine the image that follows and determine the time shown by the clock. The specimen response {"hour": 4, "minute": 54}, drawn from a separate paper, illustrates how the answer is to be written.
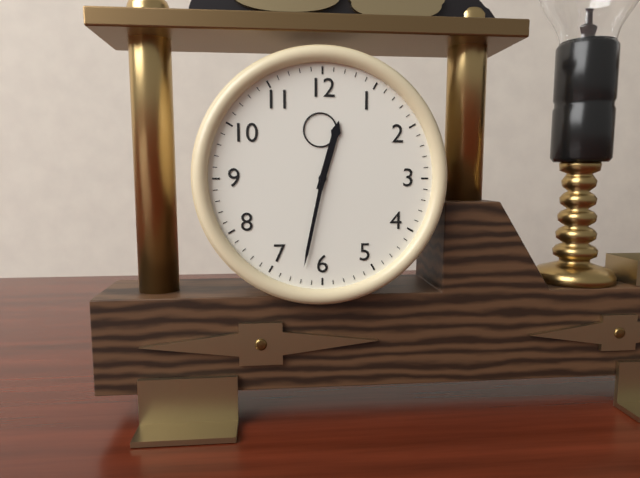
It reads {"hour": 12, "minute": 32}
